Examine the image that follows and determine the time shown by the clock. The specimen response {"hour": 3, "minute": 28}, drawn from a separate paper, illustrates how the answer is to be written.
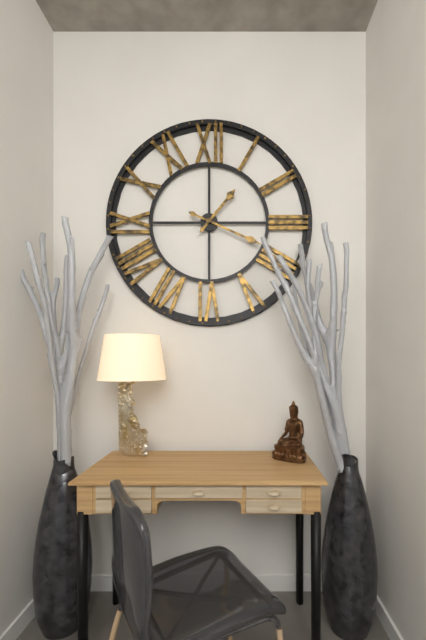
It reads {"hour": 1, "minute": 19}
